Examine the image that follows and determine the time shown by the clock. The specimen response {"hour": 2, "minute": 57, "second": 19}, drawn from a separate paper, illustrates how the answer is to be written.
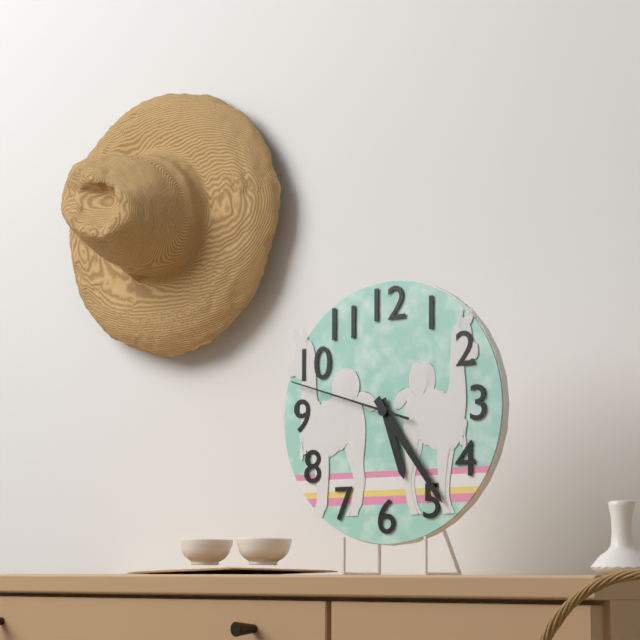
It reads {"hour": 5, "minute": 24, "second": 48}
